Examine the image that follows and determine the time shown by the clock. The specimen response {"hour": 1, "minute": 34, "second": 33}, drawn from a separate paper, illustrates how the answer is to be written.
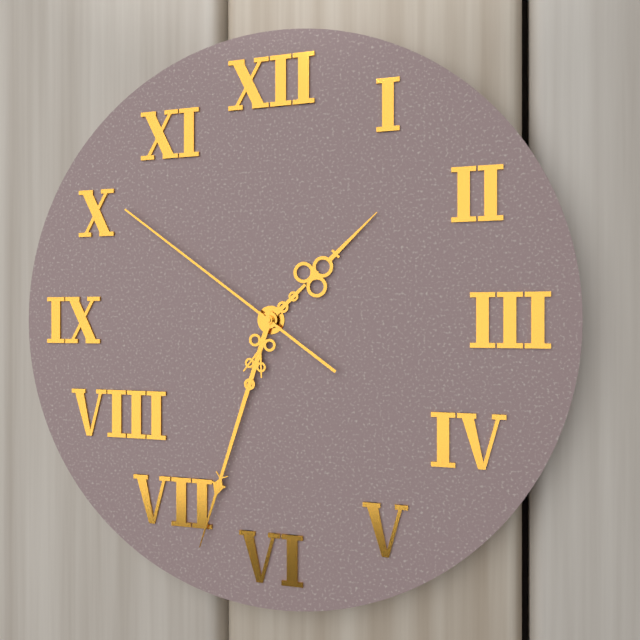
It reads {"hour": 1, "minute": 33, "second": 51}
